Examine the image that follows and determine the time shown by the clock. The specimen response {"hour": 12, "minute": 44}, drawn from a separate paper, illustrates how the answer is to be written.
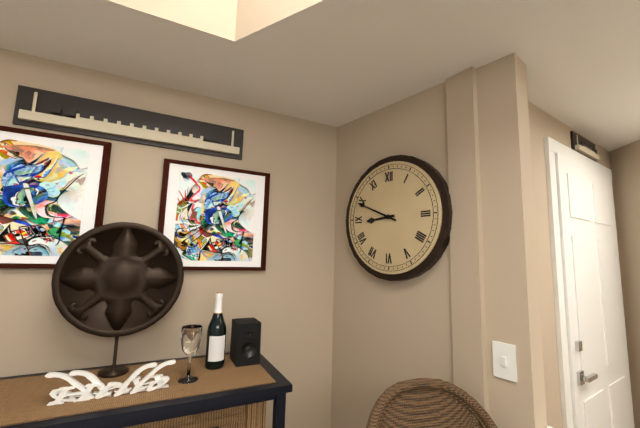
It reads {"hour": 8, "minute": 49}
